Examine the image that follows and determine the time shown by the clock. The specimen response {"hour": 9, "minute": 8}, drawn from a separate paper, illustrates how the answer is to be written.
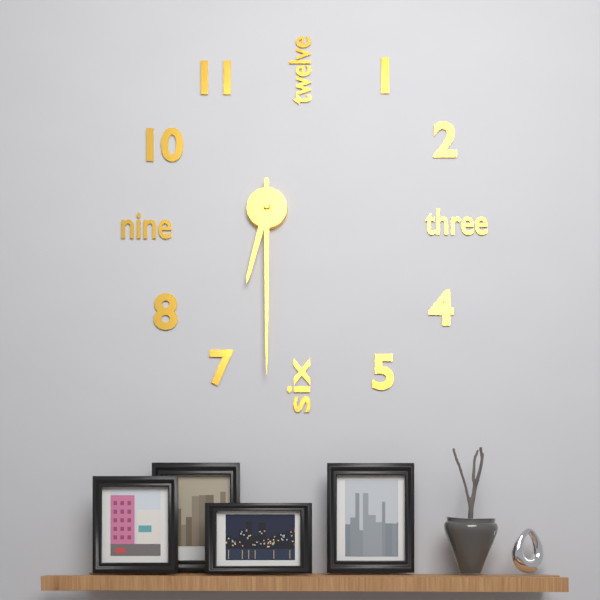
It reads {"hour": 6, "minute": 30}
